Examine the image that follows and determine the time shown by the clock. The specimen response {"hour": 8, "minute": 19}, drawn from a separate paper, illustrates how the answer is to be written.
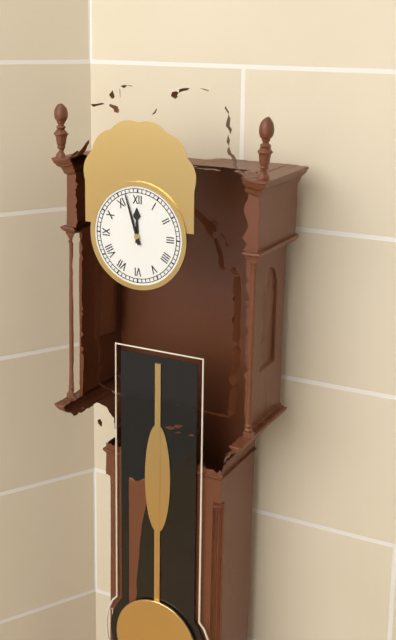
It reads {"hour": 11, "minute": 57}
